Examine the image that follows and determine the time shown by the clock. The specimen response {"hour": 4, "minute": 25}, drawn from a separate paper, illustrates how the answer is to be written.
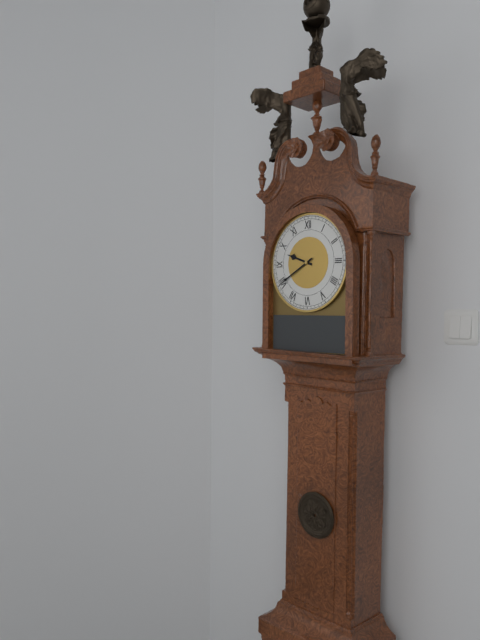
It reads {"hour": 9, "minute": 40}
